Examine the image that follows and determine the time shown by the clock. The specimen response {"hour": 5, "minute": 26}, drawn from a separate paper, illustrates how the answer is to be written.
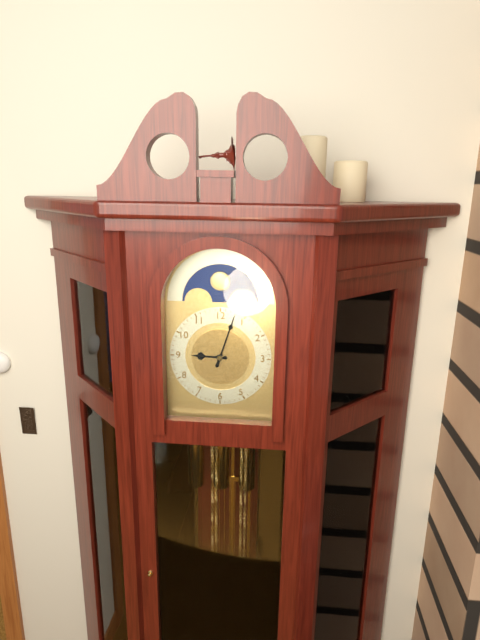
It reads {"hour": 9, "minute": 3}
